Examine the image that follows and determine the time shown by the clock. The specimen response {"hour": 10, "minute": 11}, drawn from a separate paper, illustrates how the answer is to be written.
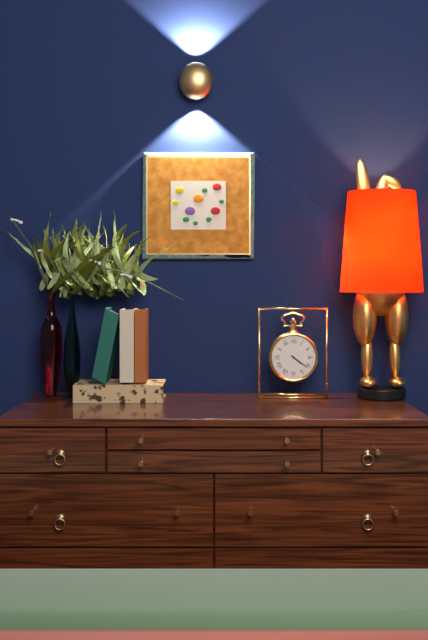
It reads {"hour": 4, "minute": 21}
